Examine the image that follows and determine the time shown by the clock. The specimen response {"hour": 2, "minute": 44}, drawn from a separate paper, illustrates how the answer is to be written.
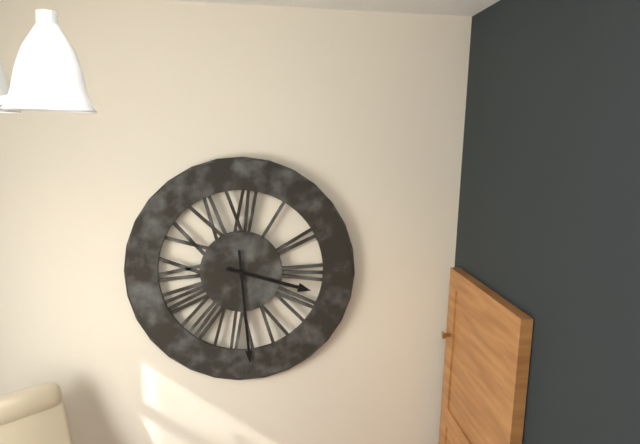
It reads {"hour": 3, "minute": 29}
